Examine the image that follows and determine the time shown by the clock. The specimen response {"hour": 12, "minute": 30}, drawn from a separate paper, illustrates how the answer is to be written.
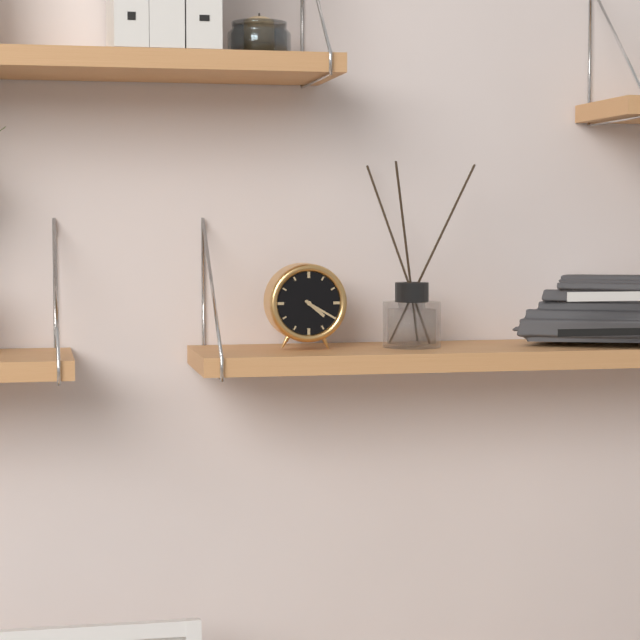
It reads {"hour": 4, "minute": 20}
